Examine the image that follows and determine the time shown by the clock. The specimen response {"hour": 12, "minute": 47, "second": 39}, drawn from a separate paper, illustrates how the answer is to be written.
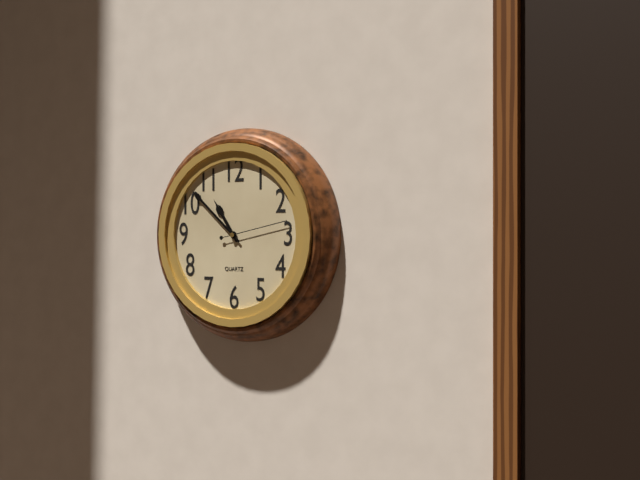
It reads {"hour": 10, "minute": 52, "second": 13}
